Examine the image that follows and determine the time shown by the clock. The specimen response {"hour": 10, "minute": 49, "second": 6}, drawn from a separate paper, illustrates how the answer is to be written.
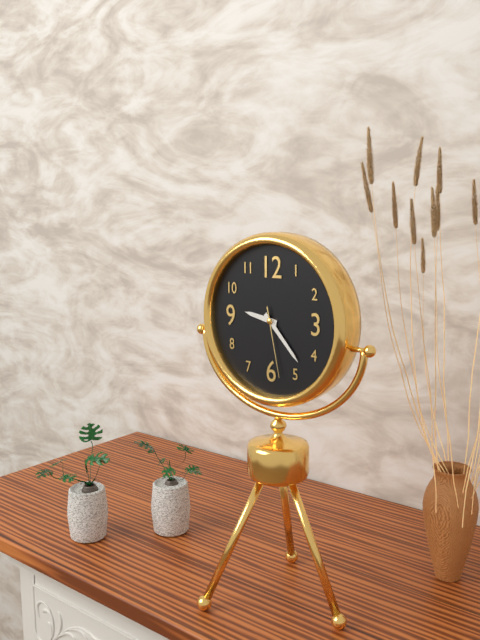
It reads {"hour": 9, "minute": 23, "second": 28}
